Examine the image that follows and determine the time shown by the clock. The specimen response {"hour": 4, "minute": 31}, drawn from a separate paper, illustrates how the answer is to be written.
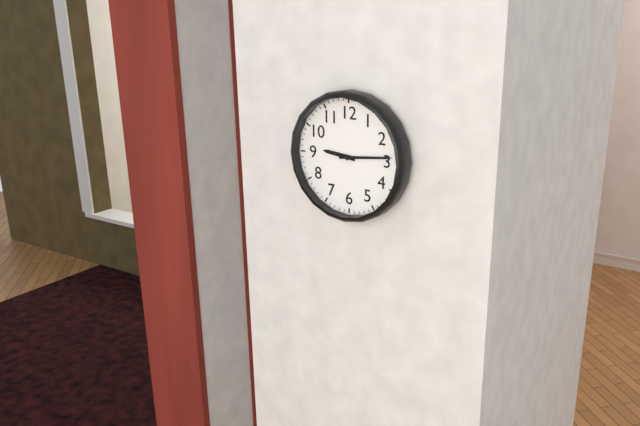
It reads {"hour": 9, "minute": 14}
